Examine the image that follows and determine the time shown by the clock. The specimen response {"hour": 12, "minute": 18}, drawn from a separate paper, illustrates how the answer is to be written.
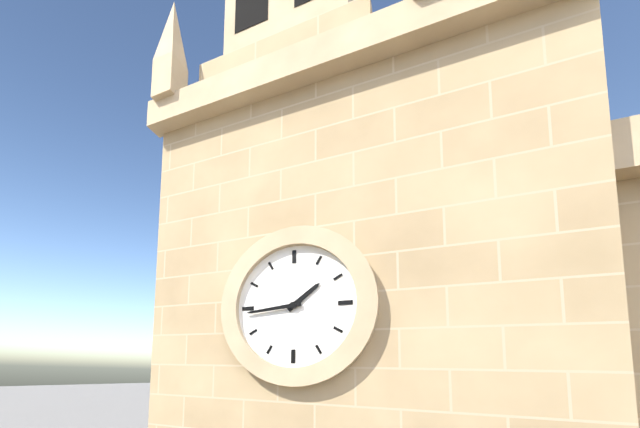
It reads {"hour": 1, "minute": 44}
